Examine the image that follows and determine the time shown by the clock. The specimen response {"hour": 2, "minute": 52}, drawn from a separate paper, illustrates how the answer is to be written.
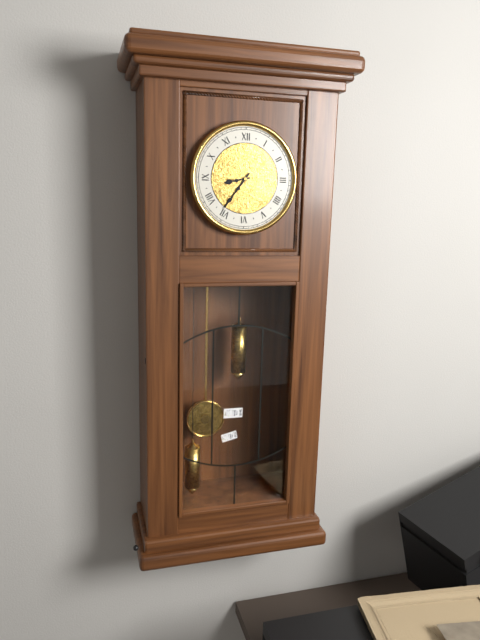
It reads {"hour": 8, "minute": 36}
